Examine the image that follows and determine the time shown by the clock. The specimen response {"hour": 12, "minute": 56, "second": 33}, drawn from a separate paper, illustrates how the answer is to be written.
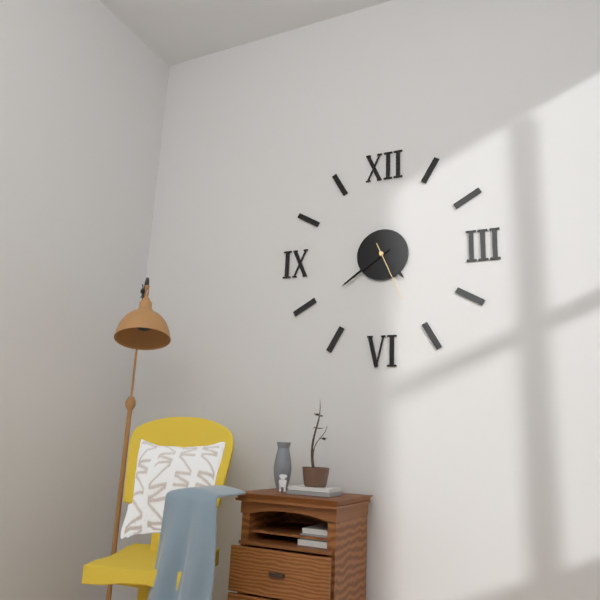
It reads {"hour": 4, "minute": 39, "second": 26}
